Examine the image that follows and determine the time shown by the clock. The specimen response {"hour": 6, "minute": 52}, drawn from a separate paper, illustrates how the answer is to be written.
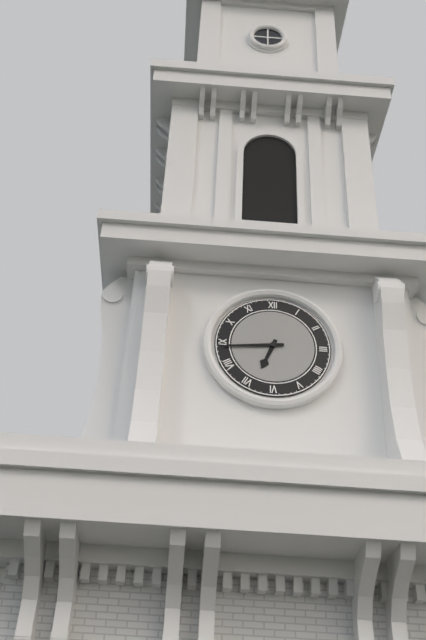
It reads {"hour": 6, "minute": 44}
